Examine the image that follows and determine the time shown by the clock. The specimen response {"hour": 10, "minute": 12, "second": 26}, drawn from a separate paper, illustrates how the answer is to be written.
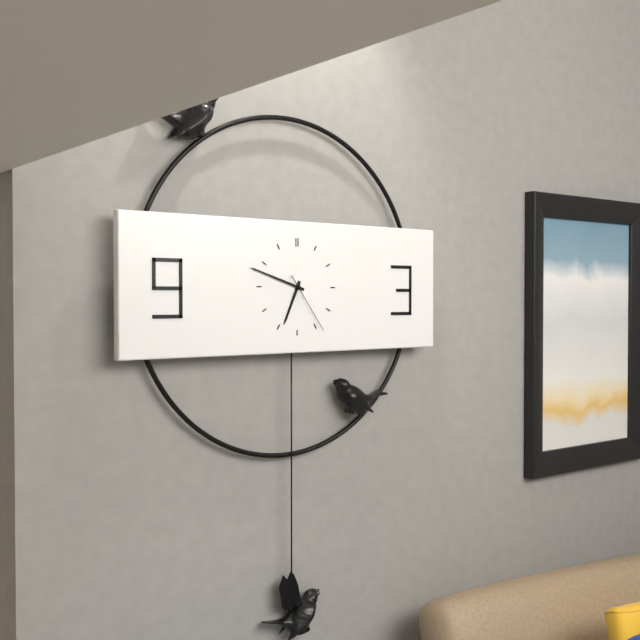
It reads {"hour": 6, "minute": 48, "second": 24}
